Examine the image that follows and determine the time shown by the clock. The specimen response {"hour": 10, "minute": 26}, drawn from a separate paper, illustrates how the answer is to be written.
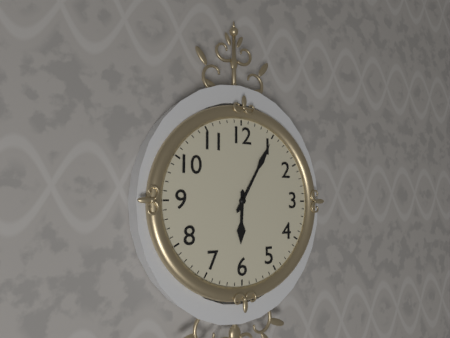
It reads {"hour": 6, "minute": 5}
